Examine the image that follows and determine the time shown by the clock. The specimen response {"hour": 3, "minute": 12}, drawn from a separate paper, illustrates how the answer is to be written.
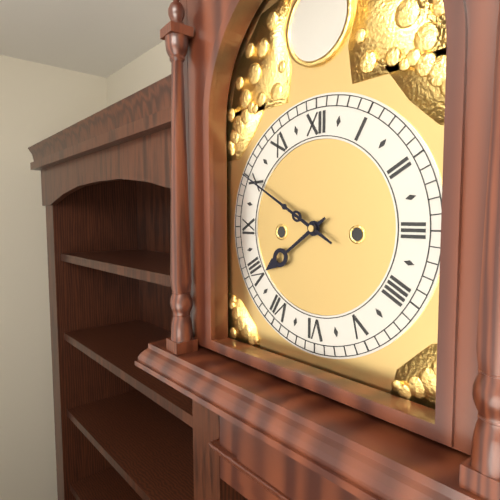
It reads {"hour": 7, "minute": 50}
